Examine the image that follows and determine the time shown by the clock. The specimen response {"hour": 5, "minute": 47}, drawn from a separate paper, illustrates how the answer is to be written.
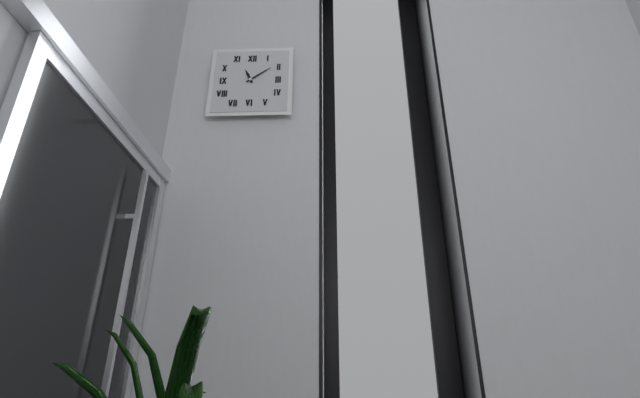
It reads {"hour": 11, "minute": 9}
